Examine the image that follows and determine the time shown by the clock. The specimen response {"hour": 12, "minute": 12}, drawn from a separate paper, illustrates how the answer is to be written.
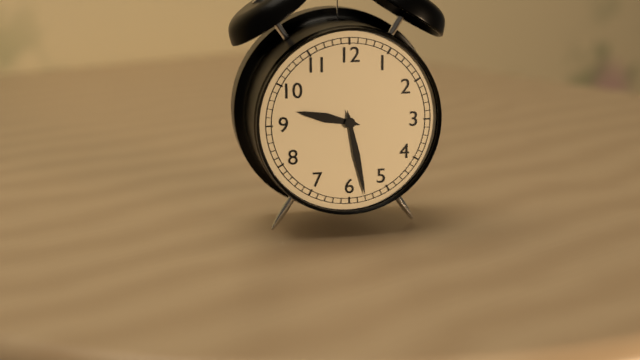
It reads {"hour": 9, "minute": 28}
